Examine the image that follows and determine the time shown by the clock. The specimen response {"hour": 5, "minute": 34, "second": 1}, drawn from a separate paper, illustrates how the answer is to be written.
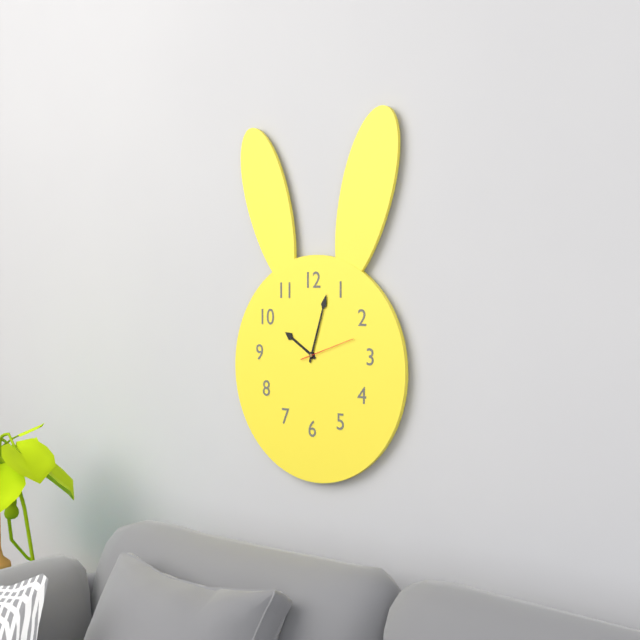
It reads {"hour": 10, "minute": 3, "second": 12}
